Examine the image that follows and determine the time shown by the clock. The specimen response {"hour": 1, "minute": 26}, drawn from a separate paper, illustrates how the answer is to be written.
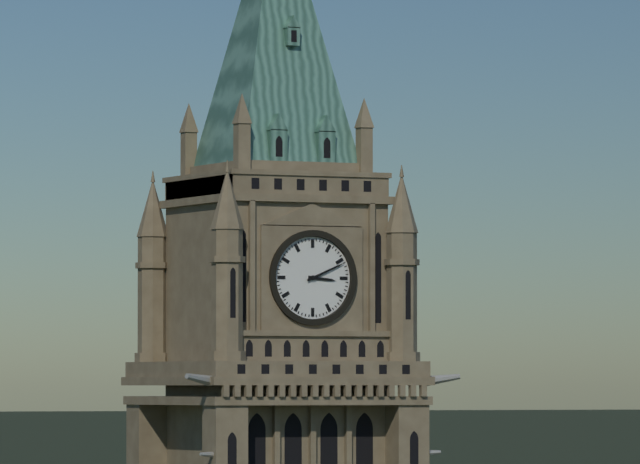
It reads {"hour": 3, "minute": 11}
